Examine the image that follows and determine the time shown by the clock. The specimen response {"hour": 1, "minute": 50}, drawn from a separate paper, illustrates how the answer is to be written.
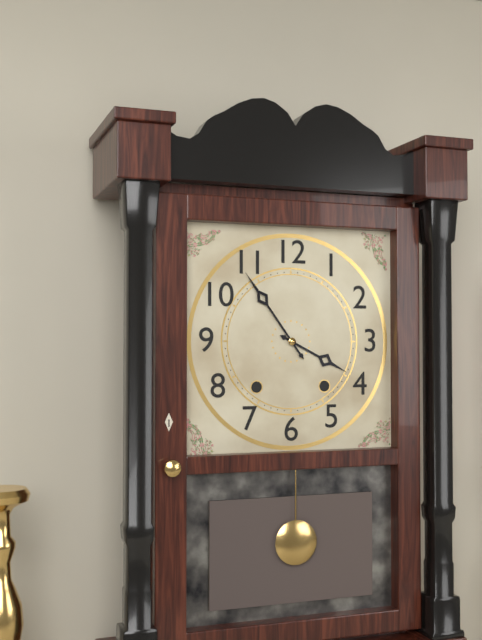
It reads {"hour": 3, "minute": 54}
